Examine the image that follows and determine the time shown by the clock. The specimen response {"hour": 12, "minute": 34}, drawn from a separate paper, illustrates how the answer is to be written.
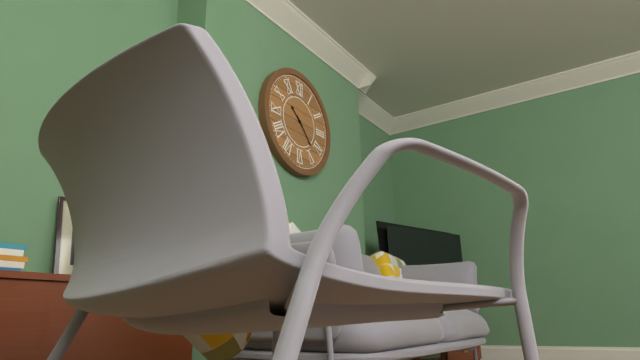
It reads {"hour": 10, "minute": 23}
